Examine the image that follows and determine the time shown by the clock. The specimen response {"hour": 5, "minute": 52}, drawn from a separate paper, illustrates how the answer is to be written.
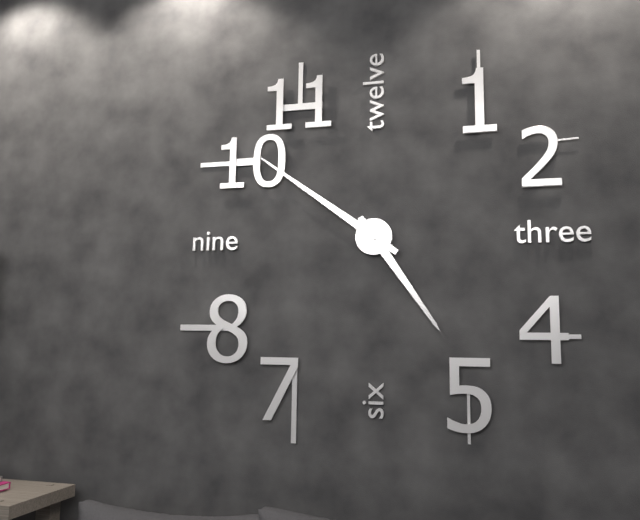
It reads {"hour": 4, "minute": 51}
